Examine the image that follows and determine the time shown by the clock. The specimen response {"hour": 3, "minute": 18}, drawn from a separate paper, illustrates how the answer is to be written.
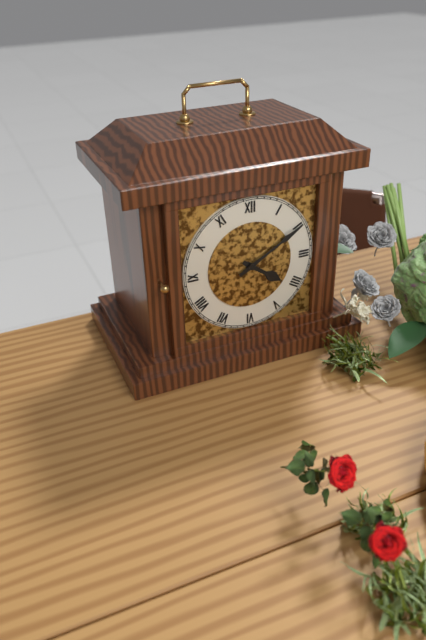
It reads {"hour": 4, "minute": 10}
